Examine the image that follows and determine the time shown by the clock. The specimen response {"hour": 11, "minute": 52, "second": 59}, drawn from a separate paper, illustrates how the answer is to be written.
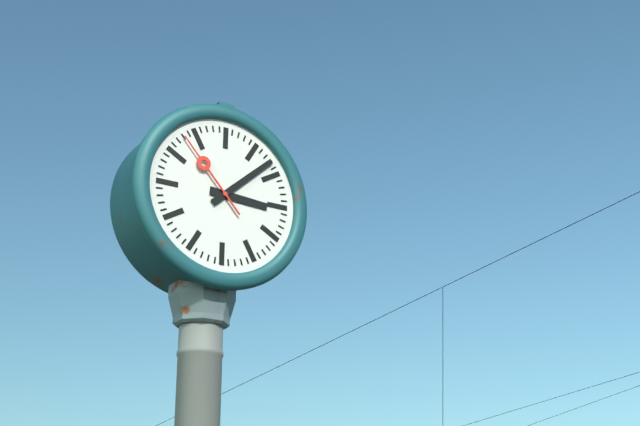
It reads {"hour": 3, "minute": 8, "second": 53}
